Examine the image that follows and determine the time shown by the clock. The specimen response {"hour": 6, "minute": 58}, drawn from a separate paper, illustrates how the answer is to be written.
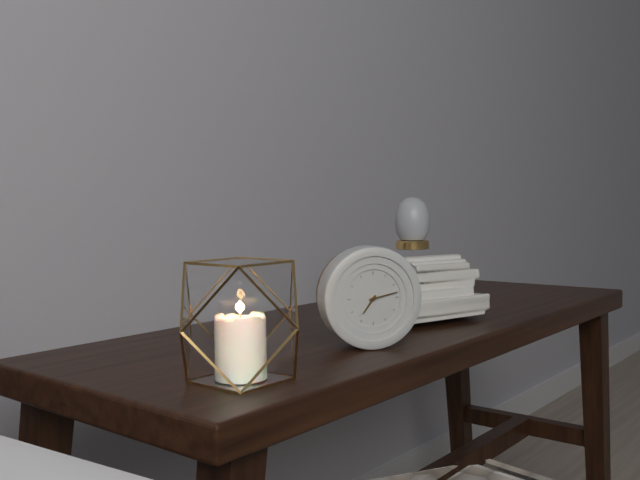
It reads {"hour": 7, "minute": 13}
